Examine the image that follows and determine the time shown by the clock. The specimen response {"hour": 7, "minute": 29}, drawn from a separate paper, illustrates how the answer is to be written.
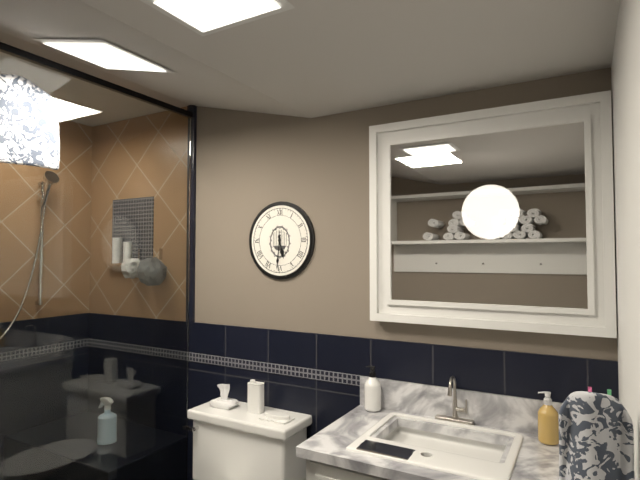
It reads {"hour": 5, "minute": 31}
